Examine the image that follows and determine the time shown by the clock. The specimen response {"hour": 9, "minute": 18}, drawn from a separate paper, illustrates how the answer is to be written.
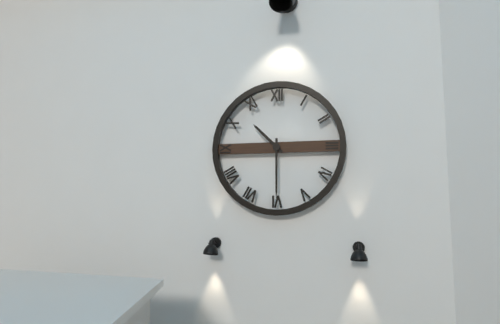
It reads {"hour": 10, "minute": 30}
